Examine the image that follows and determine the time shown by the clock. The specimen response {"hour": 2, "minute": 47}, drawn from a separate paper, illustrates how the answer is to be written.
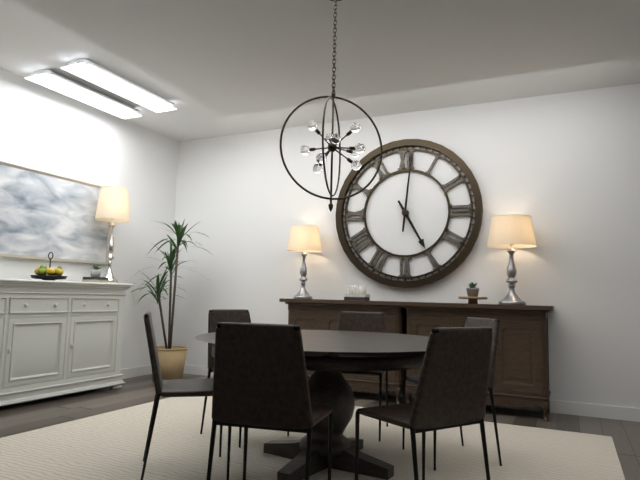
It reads {"hour": 5, "minute": 1}
